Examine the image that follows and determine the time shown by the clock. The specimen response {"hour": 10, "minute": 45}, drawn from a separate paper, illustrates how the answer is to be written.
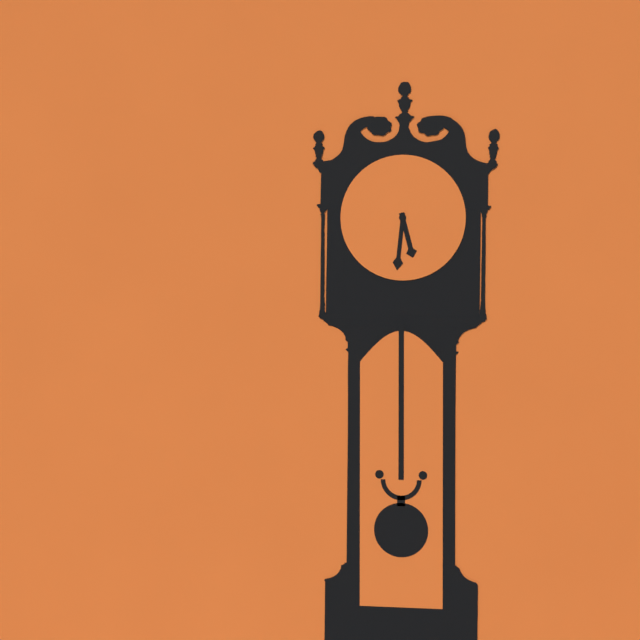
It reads {"hour": 5, "minute": 31}
